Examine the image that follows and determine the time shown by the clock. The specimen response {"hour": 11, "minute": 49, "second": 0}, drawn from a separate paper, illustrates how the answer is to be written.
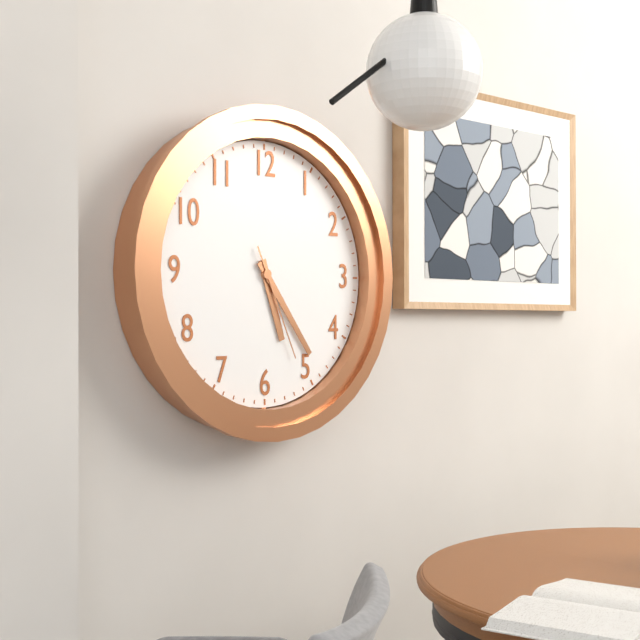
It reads {"hour": 5, "minute": 24, "second": 26}
